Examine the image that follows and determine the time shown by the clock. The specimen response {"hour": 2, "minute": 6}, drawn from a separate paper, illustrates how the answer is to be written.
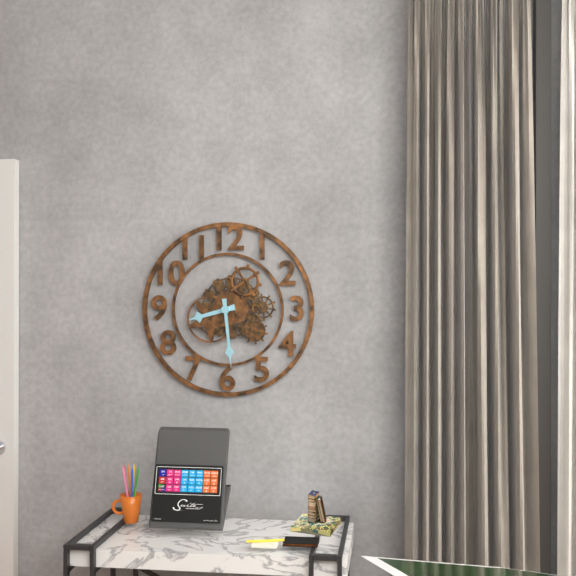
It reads {"hour": 8, "minute": 29}
